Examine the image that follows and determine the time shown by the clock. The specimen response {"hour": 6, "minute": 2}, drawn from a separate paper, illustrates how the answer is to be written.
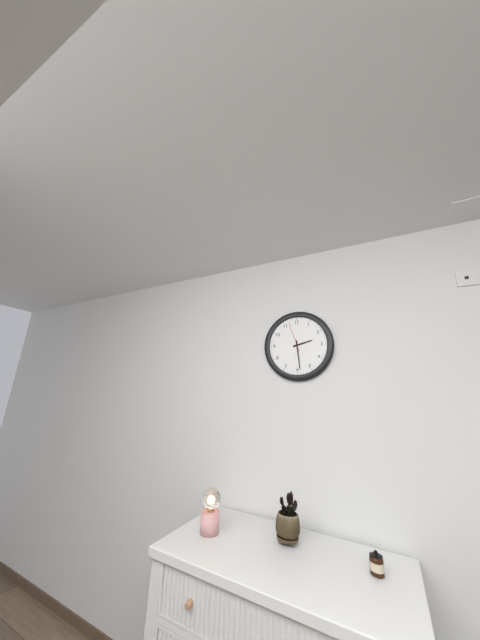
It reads {"hour": 2, "minute": 29}
